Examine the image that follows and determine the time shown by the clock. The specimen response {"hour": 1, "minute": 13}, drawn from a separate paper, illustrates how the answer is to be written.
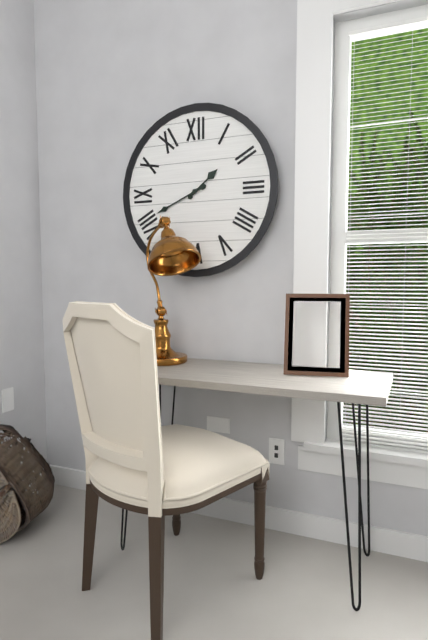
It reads {"hour": 1, "minute": 41}
